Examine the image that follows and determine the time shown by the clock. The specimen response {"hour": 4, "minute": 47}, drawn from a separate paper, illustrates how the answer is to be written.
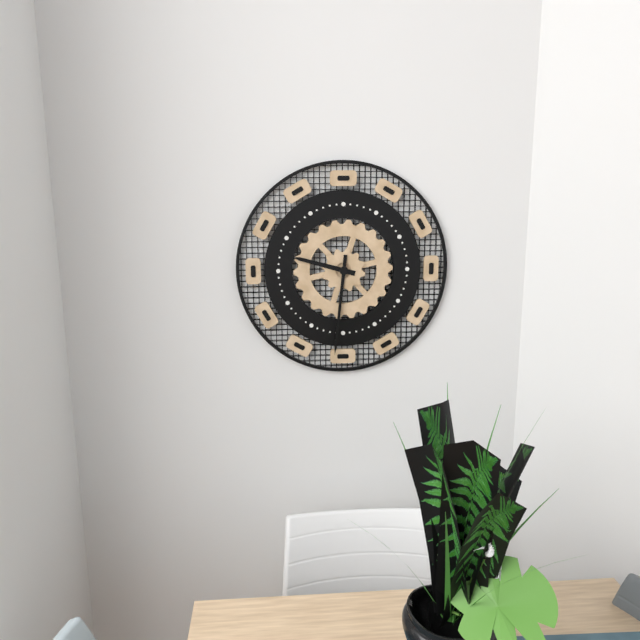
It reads {"hour": 9, "minute": 31}
